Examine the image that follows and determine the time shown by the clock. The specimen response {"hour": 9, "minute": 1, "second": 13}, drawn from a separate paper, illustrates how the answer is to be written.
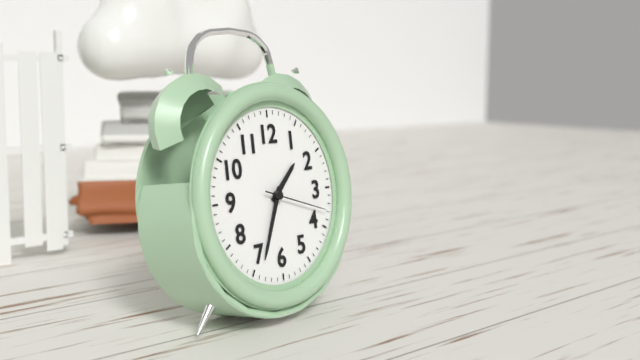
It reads {"hour": 1, "minute": 34, "second": 18}
